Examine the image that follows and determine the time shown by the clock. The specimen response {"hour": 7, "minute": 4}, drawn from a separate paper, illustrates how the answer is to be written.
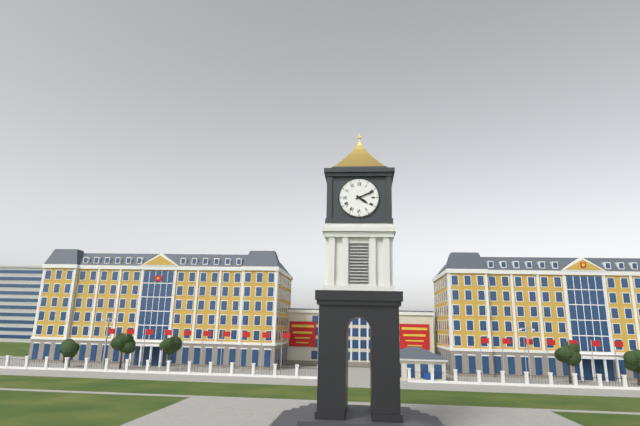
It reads {"hour": 4, "minute": 11}
